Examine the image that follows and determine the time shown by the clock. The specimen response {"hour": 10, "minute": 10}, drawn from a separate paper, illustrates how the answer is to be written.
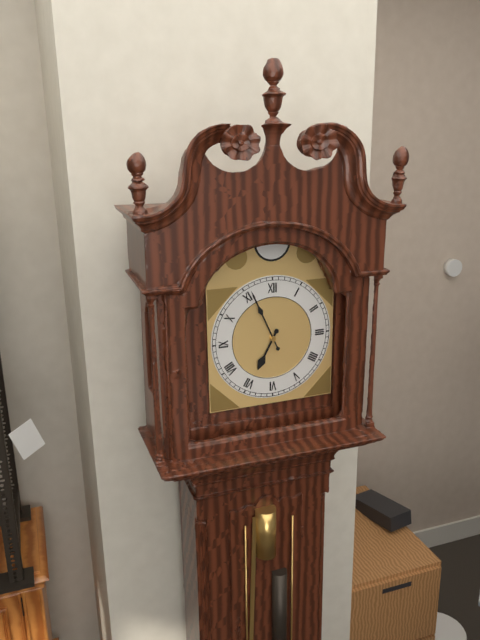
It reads {"hour": 6, "minute": 56}
